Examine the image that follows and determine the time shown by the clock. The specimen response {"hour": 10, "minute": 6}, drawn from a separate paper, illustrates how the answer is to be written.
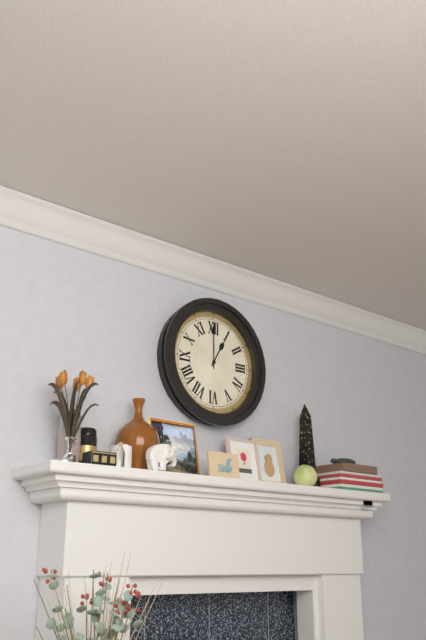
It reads {"hour": 1, "minute": 0}
